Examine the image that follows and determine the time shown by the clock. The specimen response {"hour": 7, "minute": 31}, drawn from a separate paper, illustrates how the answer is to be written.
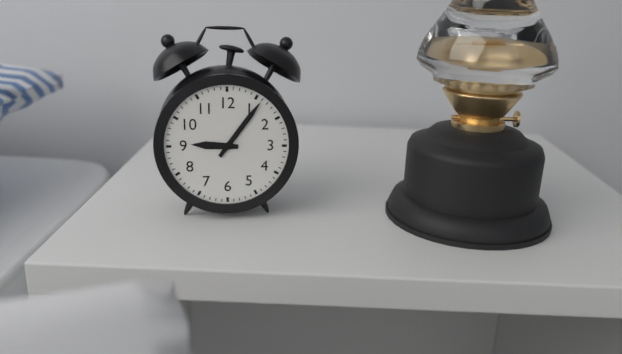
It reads {"hour": 9, "minute": 6}
